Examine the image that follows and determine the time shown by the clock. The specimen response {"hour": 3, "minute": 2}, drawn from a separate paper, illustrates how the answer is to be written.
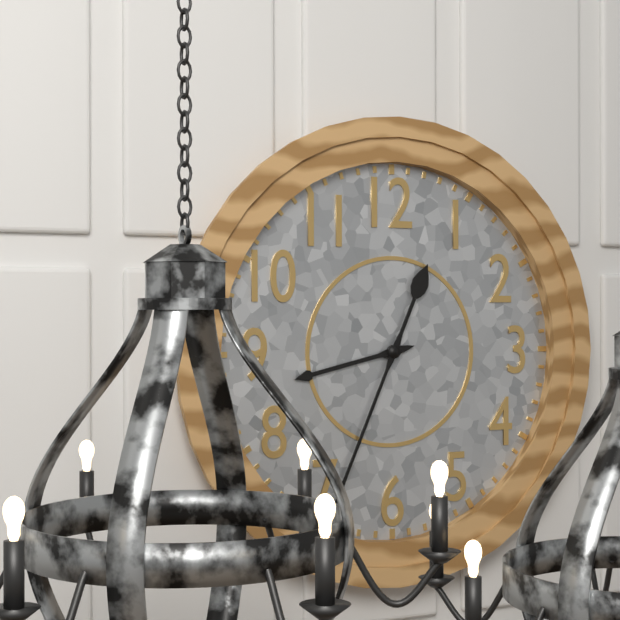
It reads {"hour": 8, "minute": 34}
